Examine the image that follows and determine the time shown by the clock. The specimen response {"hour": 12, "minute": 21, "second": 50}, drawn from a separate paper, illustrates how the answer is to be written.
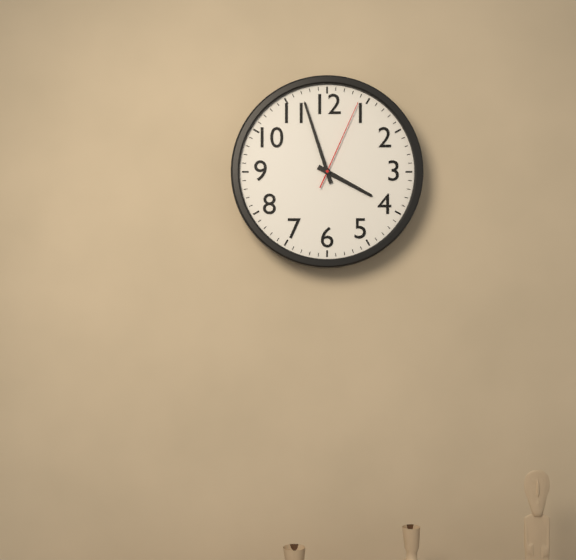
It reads {"hour": 3, "minute": 57, "second": 4}
